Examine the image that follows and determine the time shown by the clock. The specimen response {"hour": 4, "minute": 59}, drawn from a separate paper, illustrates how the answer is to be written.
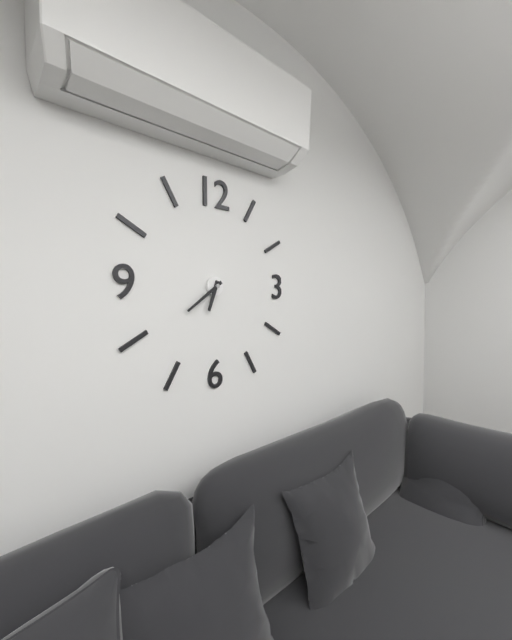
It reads {"hour": 6, "minute": 39}
